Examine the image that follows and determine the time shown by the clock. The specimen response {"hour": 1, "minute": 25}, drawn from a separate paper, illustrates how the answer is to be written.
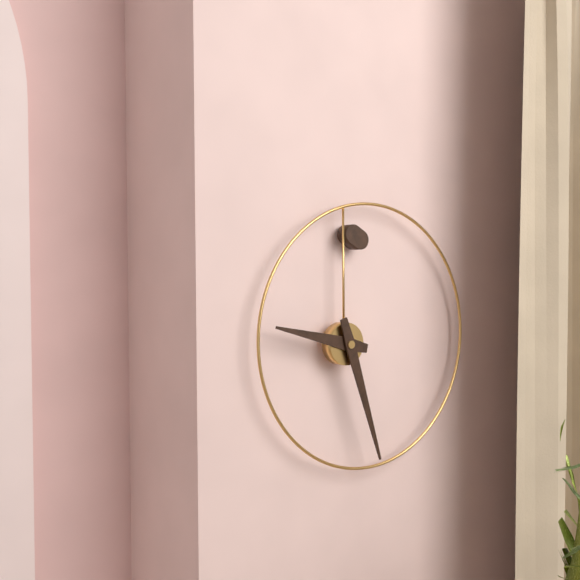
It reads {"hour": 9, "minute": 27}
